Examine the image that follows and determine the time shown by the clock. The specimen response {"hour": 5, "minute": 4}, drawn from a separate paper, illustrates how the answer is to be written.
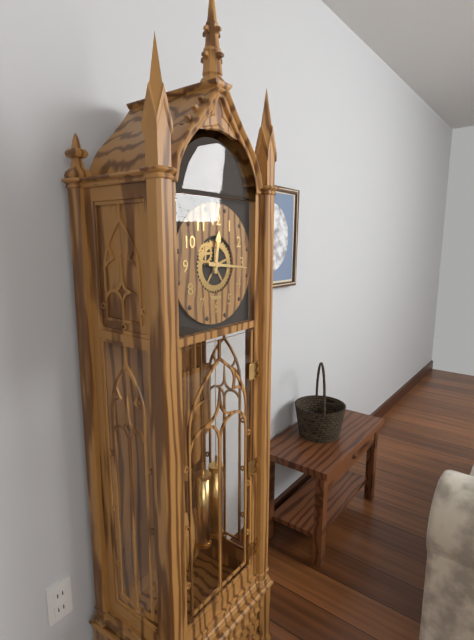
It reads {"hour": 12, "minute": 16}
